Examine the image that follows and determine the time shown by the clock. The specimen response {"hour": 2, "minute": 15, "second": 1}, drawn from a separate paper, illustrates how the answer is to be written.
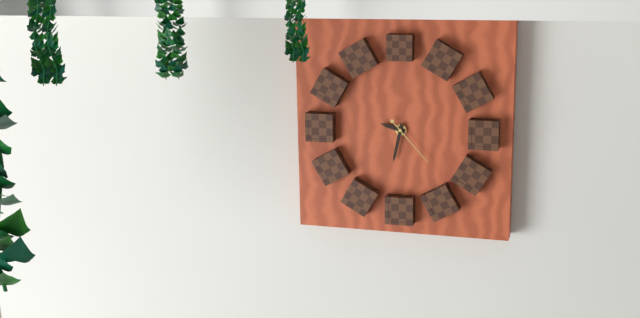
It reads {"hour": 9, "minute": 32, "second": 23}
